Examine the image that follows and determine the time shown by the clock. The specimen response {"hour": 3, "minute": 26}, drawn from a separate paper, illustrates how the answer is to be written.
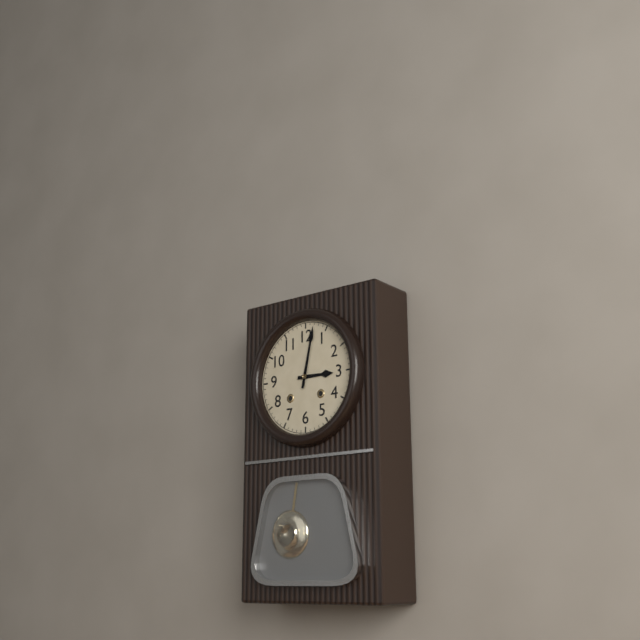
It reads {"hour": 3, "minute": 2}
